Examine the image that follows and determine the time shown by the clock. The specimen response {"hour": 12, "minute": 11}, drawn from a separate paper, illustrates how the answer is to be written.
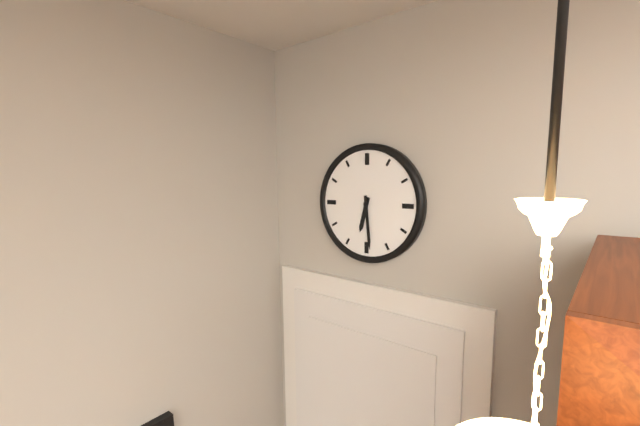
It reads {"hour": 6, "minute": 29}
